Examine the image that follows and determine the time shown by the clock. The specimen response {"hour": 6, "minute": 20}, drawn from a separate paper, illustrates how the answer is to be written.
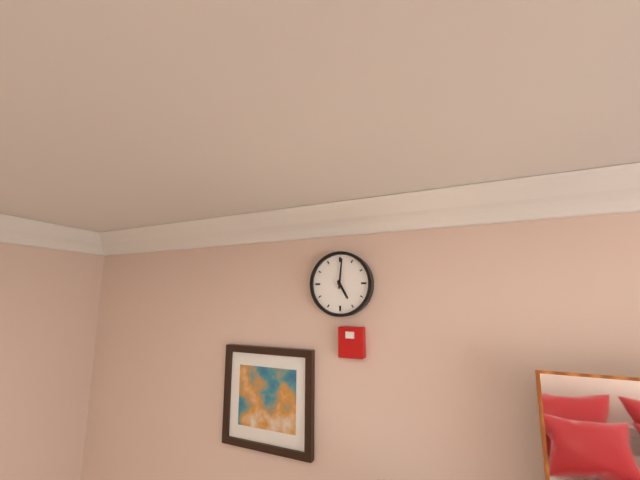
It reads {"hour": 5, "minute": 1}
